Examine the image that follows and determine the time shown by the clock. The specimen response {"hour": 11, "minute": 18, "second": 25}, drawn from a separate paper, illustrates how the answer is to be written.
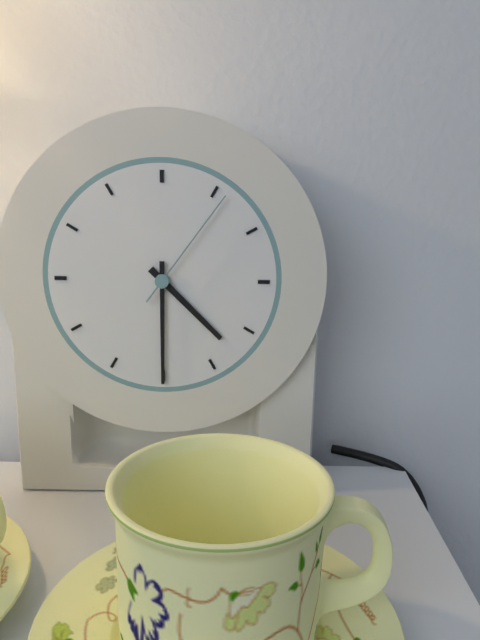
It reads {"hour": 4, "minute": 30, "second": 6}
